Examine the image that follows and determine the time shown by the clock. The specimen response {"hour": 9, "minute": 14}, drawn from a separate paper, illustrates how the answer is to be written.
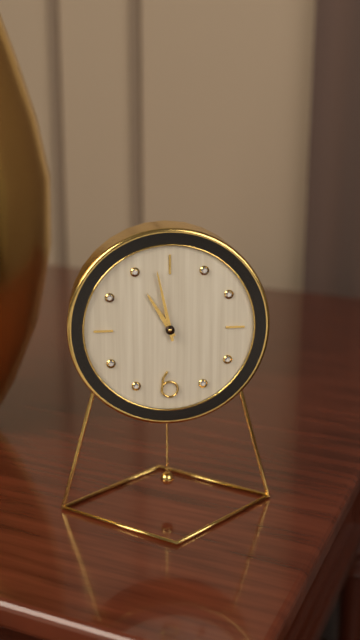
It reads {"hour": 10, "minute": 58}
